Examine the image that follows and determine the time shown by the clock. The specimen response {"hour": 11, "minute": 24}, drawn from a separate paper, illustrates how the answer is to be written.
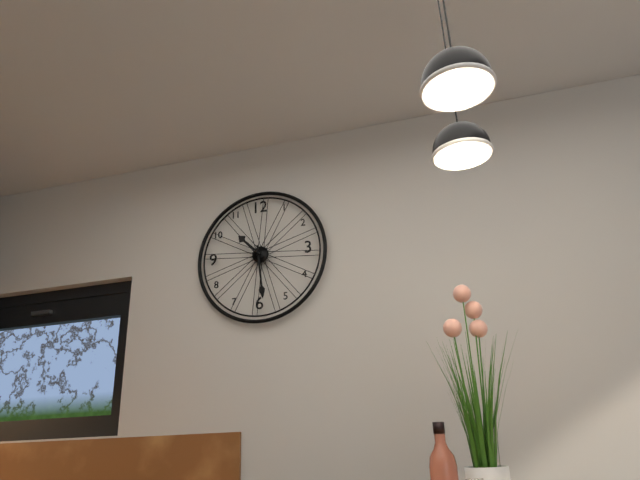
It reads {"hour": 10, "minute": 29}
